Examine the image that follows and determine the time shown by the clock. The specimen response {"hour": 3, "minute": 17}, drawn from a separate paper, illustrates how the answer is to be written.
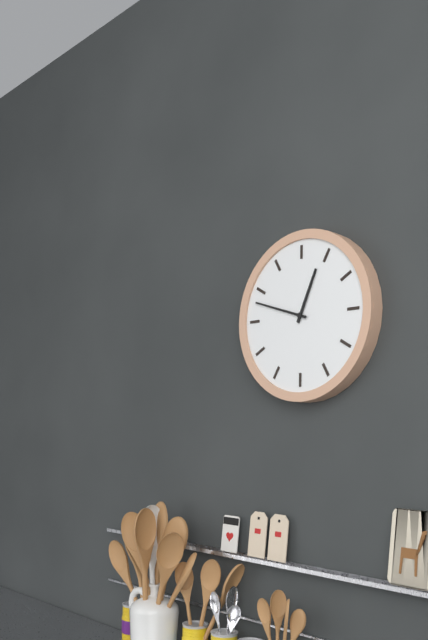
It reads {"hour": 12, "minute": 48}
